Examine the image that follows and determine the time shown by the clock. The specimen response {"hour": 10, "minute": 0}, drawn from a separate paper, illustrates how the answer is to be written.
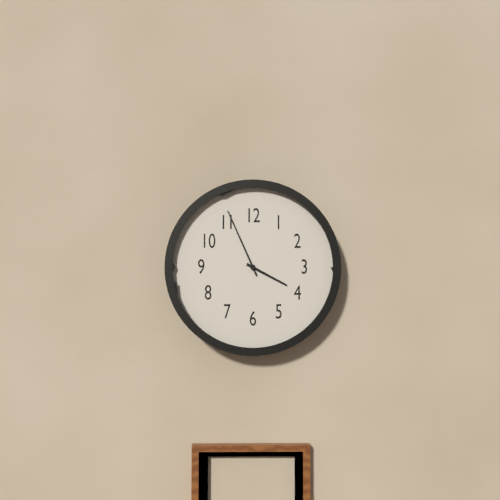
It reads {"hour": 3, "minute": 56}
